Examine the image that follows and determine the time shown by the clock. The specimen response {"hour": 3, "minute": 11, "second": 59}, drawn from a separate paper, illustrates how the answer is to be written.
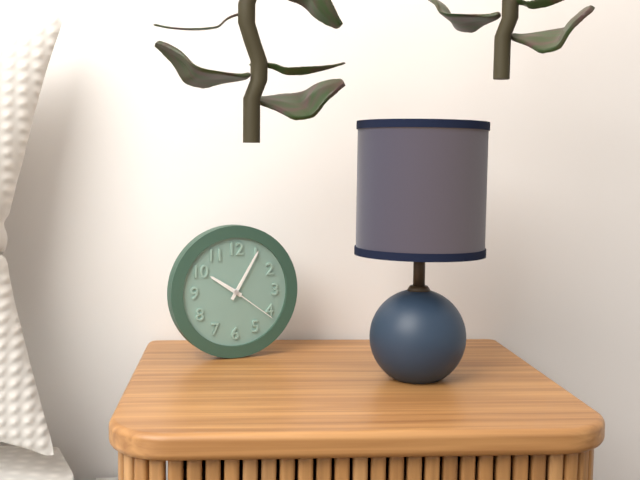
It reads {"hour": 10, "minute": 5, "second": 21}
